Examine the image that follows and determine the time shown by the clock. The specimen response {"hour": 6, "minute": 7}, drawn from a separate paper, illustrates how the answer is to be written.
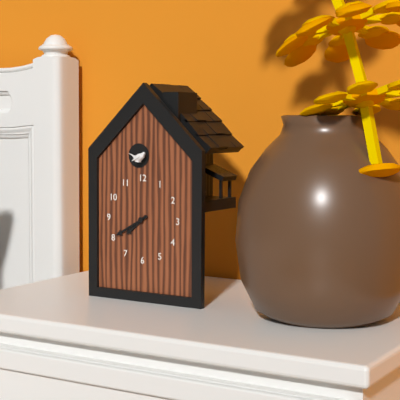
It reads {"hour": 7, "minute": 40}
